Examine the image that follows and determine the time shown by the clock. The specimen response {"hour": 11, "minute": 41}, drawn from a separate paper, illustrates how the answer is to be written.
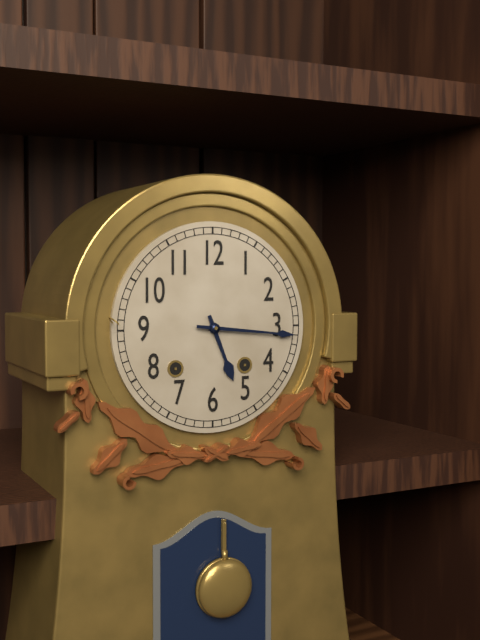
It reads {"hour": 5, "minute": 16}
